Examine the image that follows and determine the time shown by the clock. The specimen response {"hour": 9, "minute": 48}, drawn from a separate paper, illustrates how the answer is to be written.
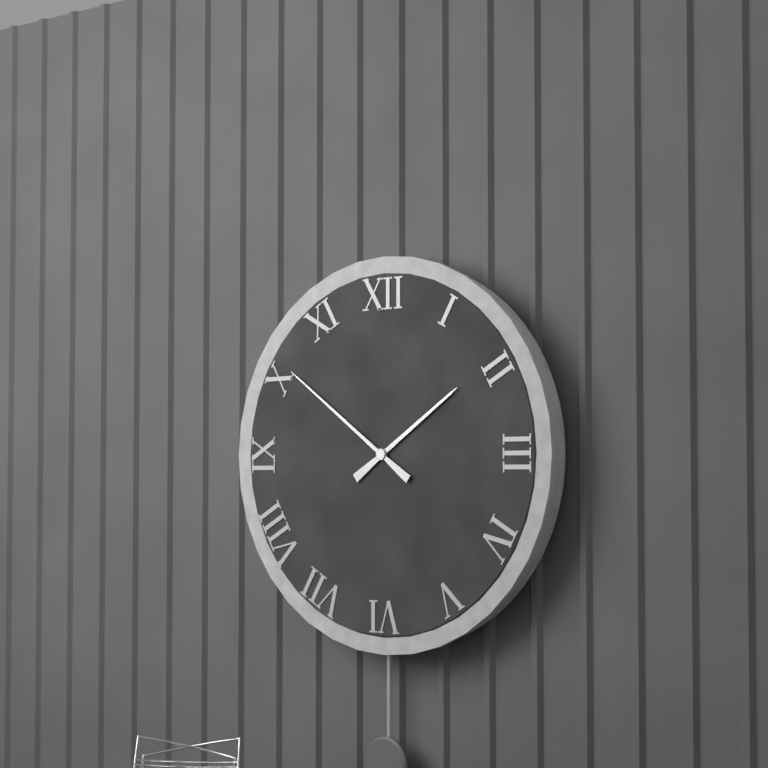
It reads {"hour": 1, "minute": 51}
